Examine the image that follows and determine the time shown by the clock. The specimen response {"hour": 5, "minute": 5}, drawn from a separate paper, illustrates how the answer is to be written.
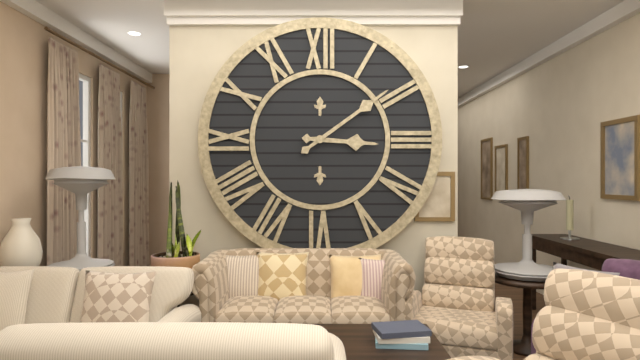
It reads {"hour": 3, "minute": 9}
